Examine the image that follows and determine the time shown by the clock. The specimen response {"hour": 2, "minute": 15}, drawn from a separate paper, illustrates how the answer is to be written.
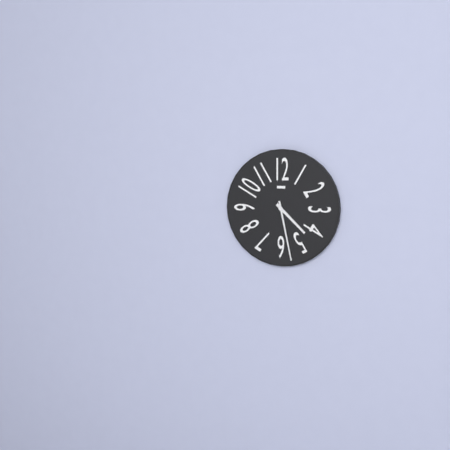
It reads {"hour": 4, "minute": 28}
